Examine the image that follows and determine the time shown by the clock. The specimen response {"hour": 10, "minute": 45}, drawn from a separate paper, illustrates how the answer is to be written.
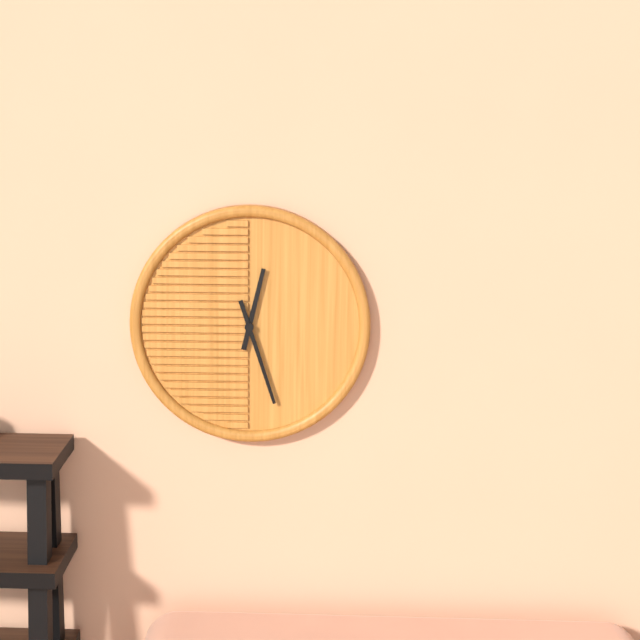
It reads {"hour": 12, "minute": 27}
